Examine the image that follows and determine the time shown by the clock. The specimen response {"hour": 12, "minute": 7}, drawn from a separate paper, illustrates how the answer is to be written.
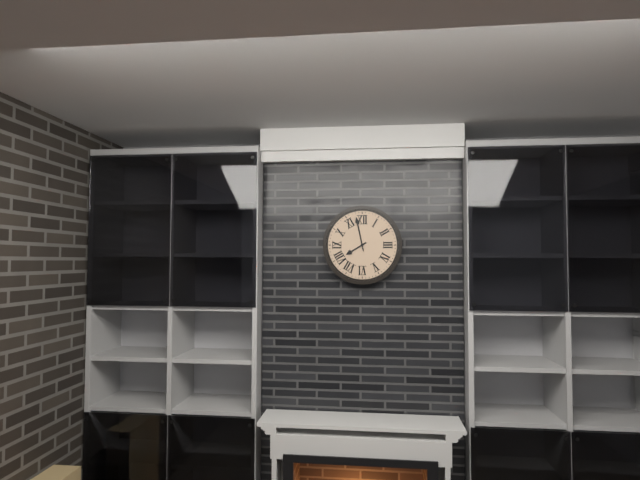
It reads {"hour": 7, "minute": 58}
